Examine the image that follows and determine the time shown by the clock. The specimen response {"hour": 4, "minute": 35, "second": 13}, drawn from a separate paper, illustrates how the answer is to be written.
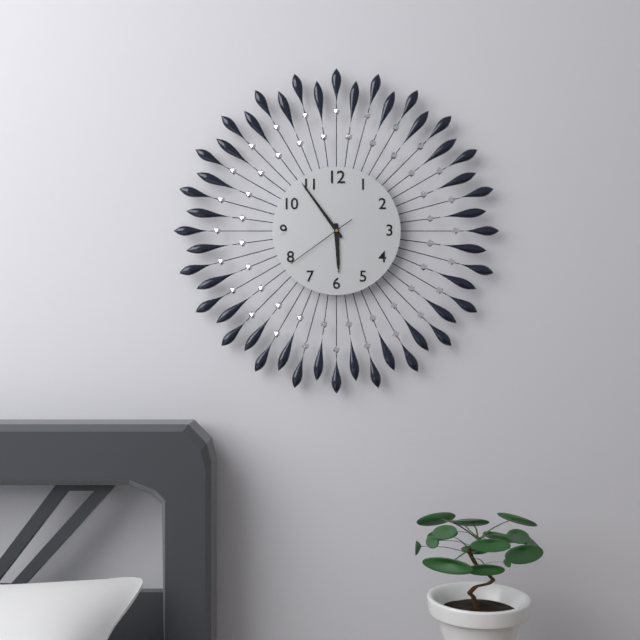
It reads {"hour": 5, "minute": 54, "second": 39}
